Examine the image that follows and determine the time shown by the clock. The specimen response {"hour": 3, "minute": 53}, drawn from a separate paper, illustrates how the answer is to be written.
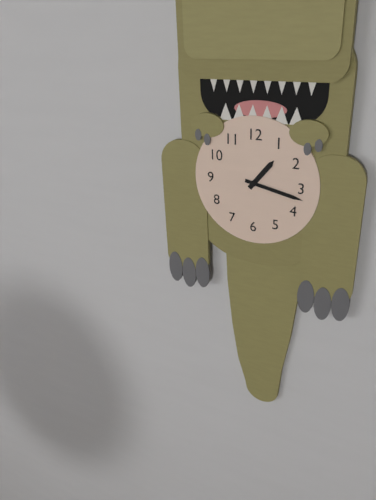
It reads {"hour": 1, "minute": 17}
